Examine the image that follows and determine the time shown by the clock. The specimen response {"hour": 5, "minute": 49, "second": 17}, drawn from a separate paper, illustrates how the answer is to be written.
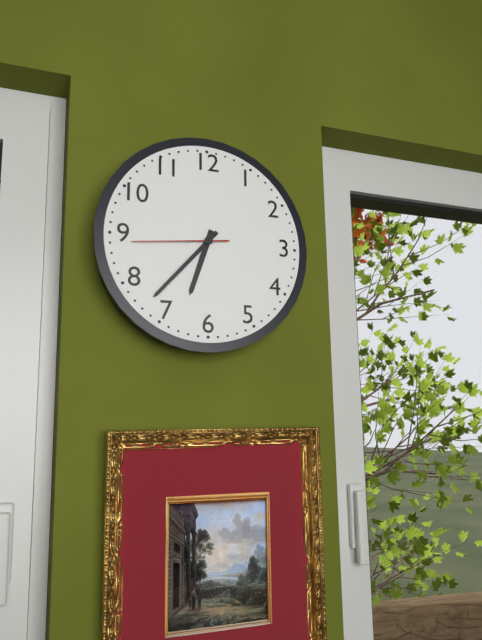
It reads {"hour": 6, "minute": 37, "second": 44}
